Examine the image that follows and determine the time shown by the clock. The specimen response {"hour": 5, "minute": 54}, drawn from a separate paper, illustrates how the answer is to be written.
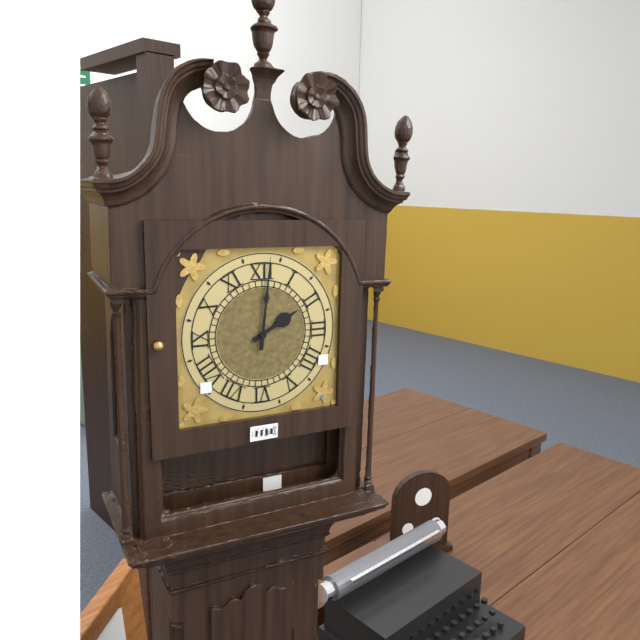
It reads {"hour": 2, "minute": 1}
